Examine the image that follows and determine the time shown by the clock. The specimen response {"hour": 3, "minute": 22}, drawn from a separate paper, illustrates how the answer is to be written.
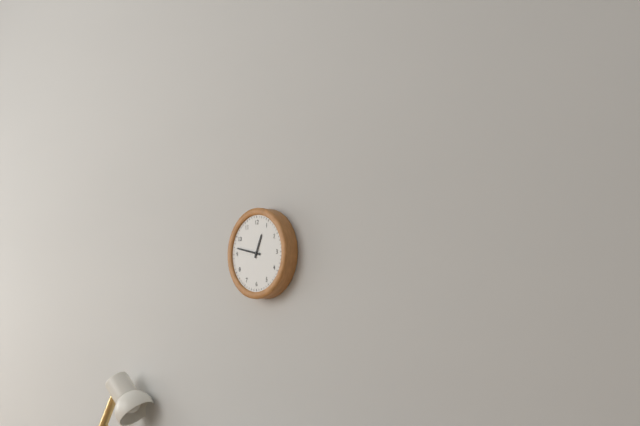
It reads {"hour": 12, "minute": 47}
